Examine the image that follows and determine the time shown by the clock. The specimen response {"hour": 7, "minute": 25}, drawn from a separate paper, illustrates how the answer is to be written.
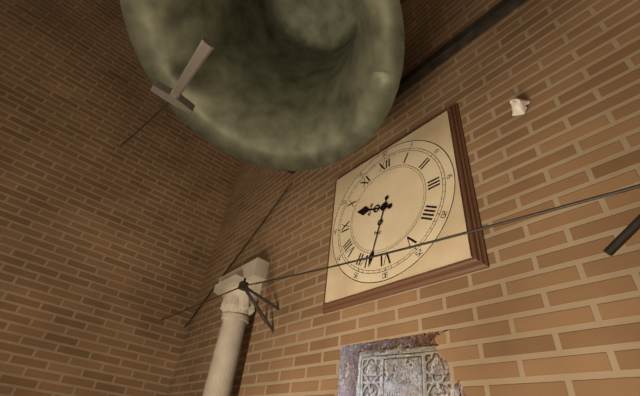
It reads {"hour": 9, "minute": 33}
